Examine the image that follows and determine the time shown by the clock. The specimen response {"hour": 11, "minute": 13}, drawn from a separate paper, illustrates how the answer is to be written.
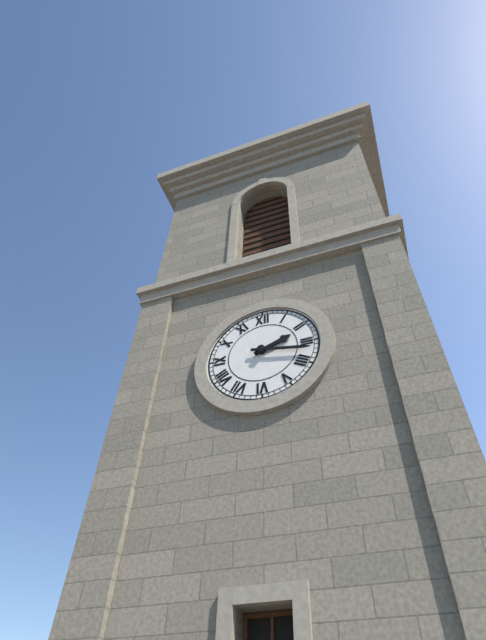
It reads {"hour": 2, "minute": 17}
